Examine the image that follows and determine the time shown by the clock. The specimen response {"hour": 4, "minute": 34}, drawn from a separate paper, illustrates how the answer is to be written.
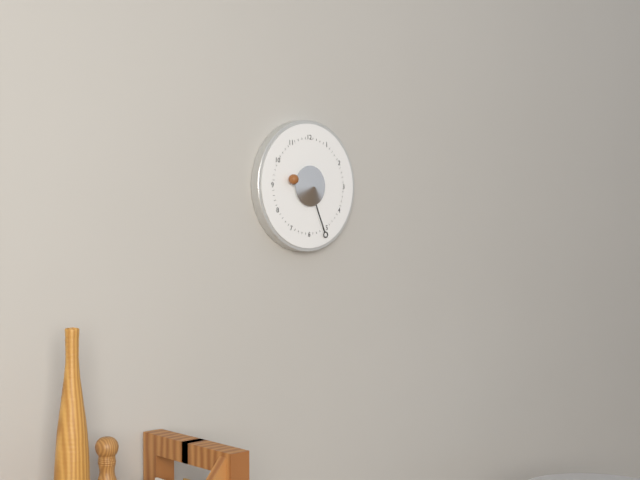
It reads {"hour": 9, "minute": 26}
